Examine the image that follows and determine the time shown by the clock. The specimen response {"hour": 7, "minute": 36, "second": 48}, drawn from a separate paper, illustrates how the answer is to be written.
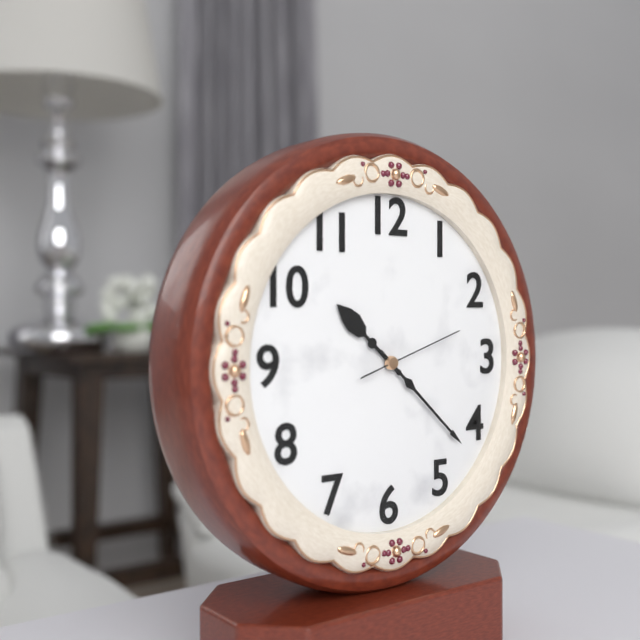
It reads {"hour": 10, "minute": 22, "second": 12}
